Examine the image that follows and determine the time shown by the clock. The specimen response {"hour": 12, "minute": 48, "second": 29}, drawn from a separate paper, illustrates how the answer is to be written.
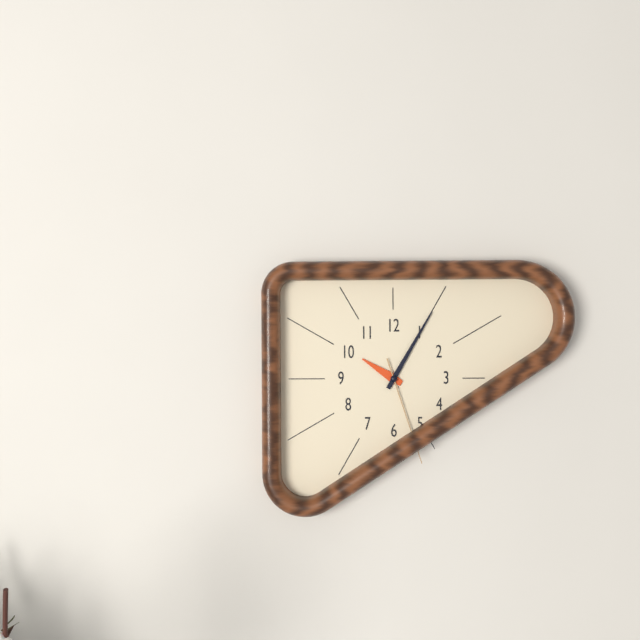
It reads {"hour": 10, "minute": 5, "second": 27}
